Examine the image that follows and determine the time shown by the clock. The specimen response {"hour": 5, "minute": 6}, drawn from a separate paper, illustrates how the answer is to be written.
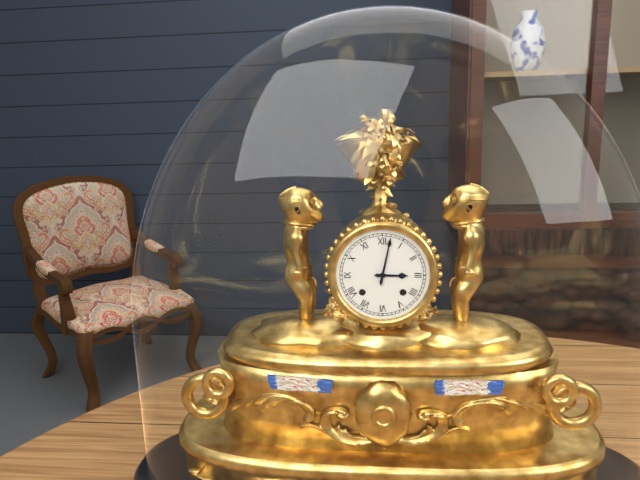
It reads {"hour": 3, "minute": 2}
